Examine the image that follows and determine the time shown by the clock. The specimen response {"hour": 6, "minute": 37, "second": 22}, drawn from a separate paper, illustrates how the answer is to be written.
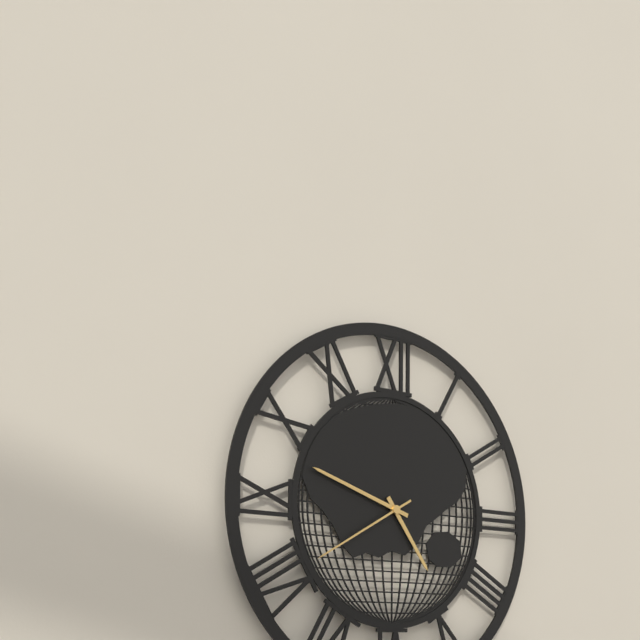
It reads {"hour": 4, "minute": 48, "second": 40}
